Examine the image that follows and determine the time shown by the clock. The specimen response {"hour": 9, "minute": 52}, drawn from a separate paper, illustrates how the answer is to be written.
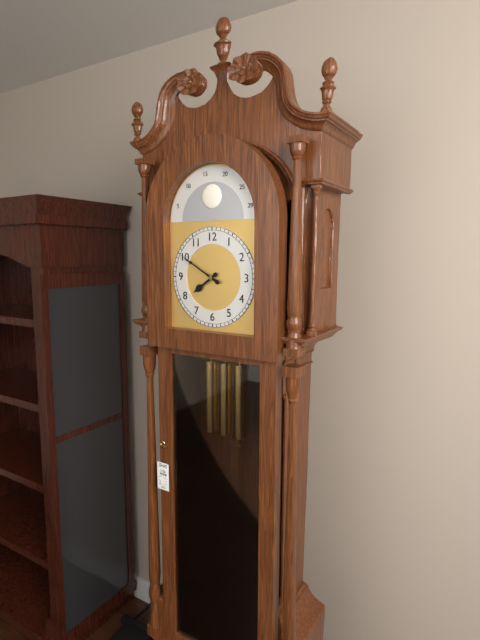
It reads {"hour": 7, "minute": 50}
